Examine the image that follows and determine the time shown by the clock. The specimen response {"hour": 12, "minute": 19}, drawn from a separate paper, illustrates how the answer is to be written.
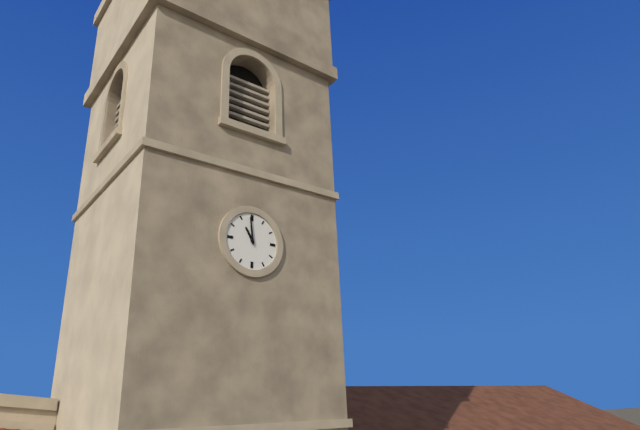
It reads {"hour": 10, "minute": 59}
